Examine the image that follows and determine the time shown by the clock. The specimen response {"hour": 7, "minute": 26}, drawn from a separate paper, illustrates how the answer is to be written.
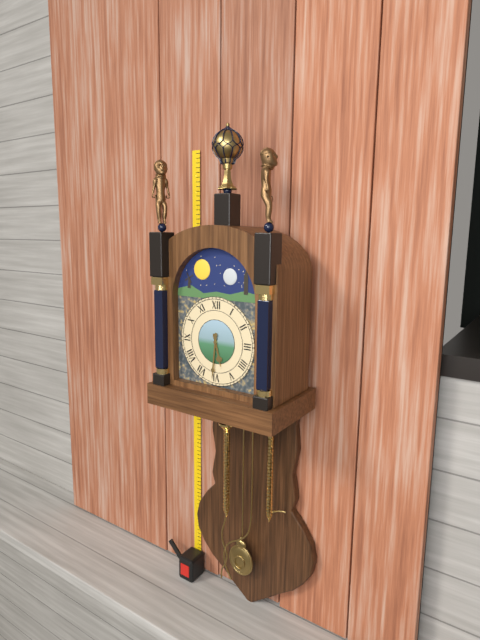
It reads {"hour": 5, "minute": 31}
